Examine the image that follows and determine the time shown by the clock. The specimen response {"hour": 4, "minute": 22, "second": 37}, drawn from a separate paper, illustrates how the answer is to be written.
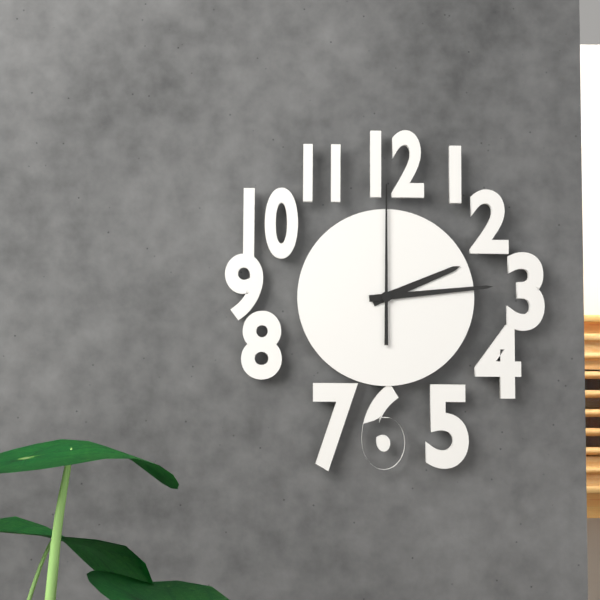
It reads {"hour": 2, "minute": 14, "second": 0}
